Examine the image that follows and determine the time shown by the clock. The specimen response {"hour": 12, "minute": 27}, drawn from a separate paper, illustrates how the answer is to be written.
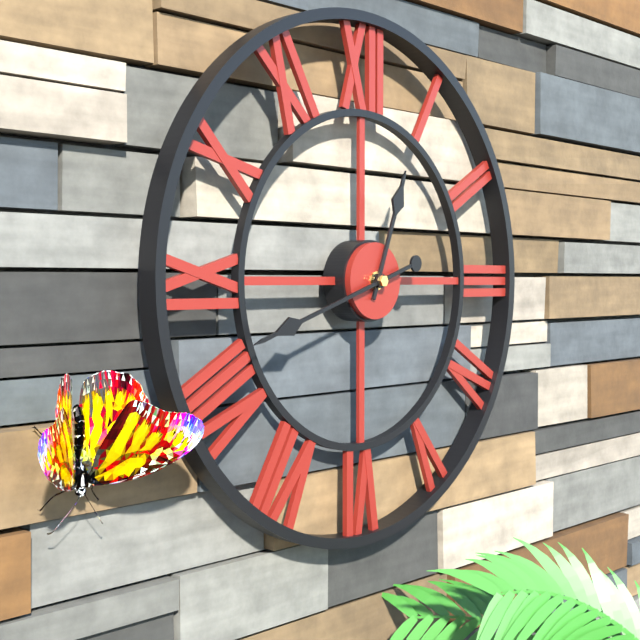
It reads {"hour": 12, "minute": 42}
